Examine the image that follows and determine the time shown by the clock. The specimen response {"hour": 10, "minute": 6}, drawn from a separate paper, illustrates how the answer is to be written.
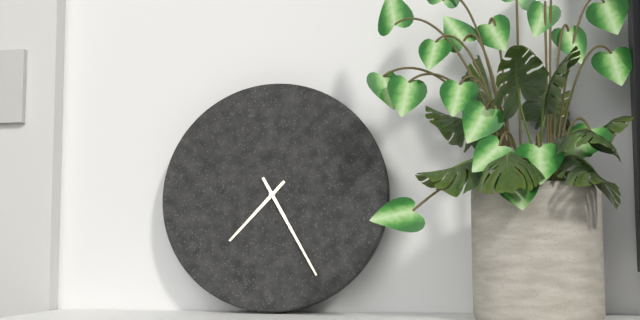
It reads {"hour": 7, "minute": 25}
